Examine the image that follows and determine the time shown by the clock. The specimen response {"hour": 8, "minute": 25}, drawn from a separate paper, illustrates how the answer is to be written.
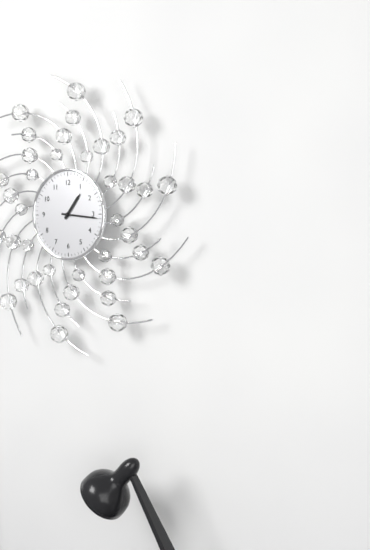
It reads {"hour": 1, "minute": 16}
